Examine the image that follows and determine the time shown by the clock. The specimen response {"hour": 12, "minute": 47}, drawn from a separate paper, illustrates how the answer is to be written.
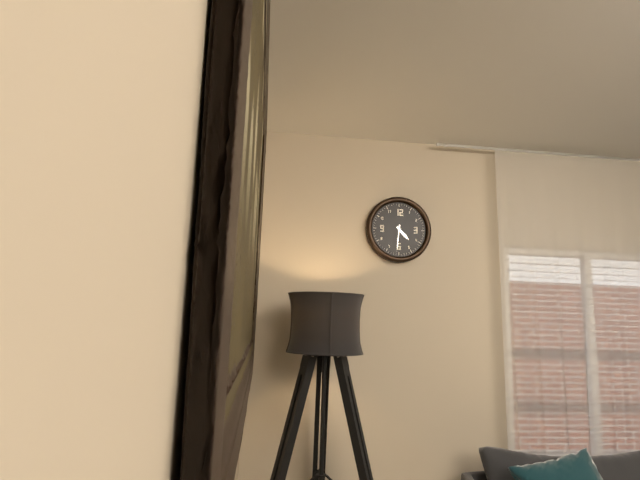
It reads {"hour": 4, "minute": 31}
